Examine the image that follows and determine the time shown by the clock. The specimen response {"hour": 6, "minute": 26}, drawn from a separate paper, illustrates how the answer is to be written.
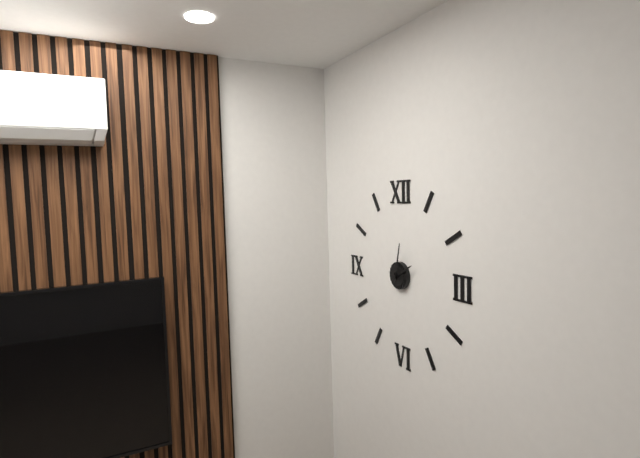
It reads {"hour": 2, "minute": 2}
